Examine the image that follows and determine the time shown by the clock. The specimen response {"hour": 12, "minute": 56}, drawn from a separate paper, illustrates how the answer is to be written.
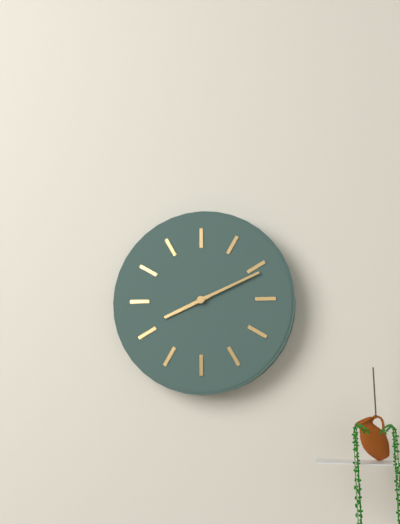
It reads {"hour": 8, "minute": 11}
